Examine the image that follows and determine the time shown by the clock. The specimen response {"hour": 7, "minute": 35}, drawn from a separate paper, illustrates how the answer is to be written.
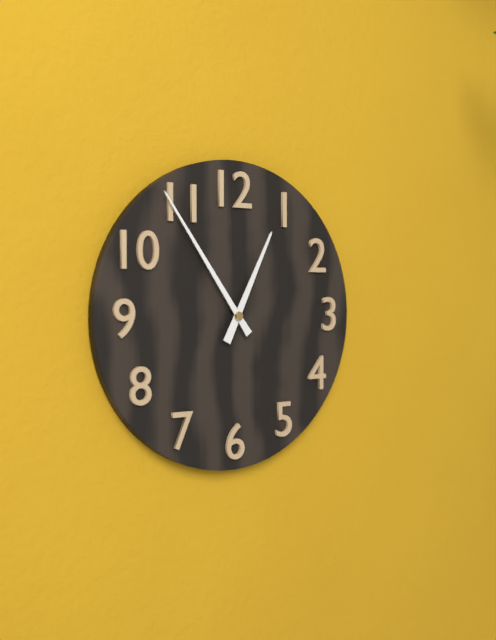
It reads {"hour": 12, "minute": 54}
